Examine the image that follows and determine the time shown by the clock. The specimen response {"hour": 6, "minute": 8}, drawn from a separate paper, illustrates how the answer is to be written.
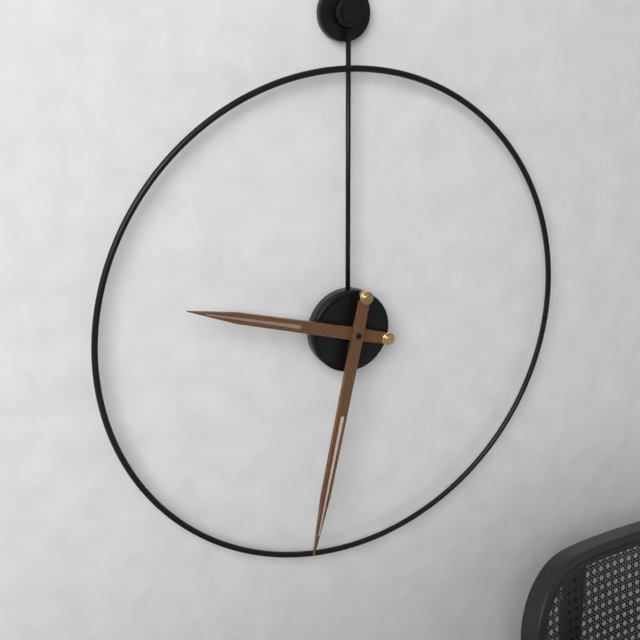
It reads {"hour": 9, "minute": 32}
